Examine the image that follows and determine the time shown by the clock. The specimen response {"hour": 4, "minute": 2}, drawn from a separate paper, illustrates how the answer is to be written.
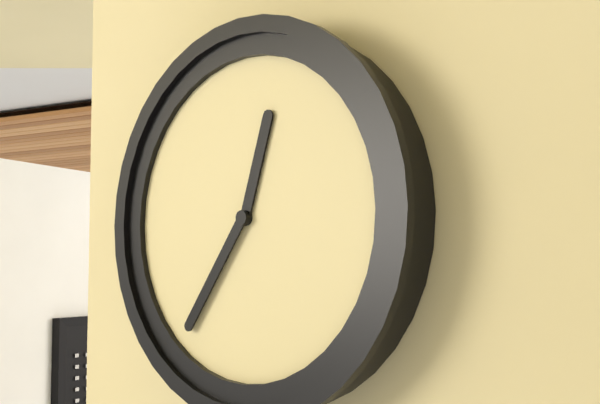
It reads {"hour": 12, "minute": 36}
